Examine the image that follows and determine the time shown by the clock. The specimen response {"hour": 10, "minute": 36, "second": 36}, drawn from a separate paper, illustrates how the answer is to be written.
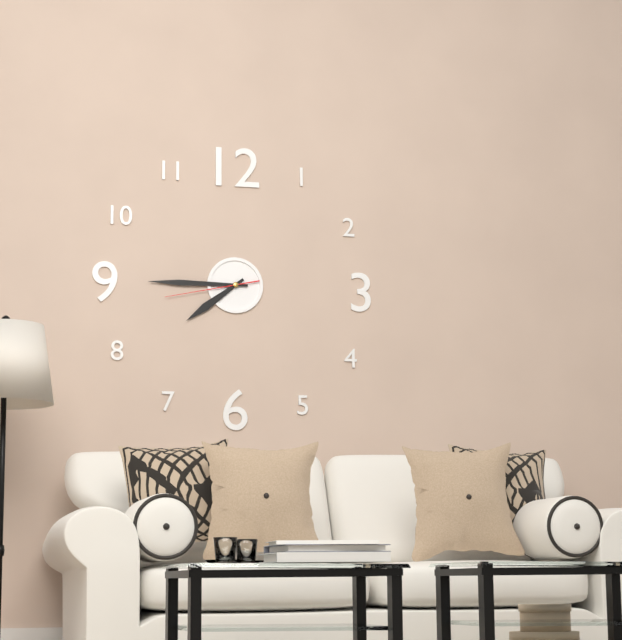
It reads {"hour": 7, "minute": 45, "second": 43}
